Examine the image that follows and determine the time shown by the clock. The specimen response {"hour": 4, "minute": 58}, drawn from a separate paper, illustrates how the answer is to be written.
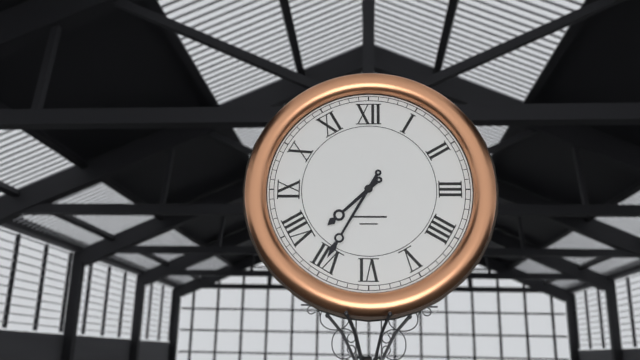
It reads {"hour": 7, "minute": 35}
